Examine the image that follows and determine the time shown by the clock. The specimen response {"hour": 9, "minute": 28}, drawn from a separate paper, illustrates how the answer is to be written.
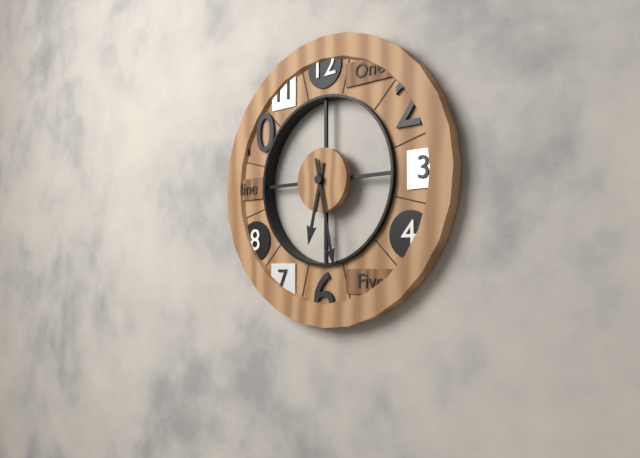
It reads {"hour": 6, "minute": 28}
